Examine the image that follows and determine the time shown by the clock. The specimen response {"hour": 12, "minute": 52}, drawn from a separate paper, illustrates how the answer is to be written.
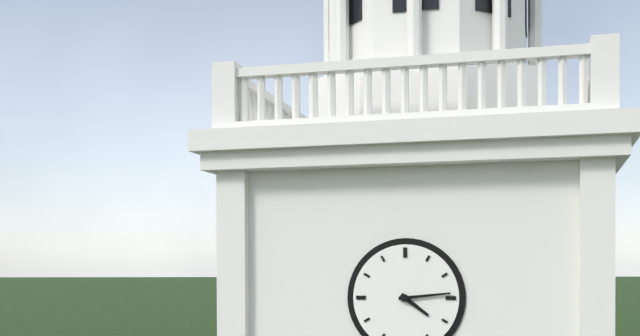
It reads {"hour": 4, "minute": 14}
